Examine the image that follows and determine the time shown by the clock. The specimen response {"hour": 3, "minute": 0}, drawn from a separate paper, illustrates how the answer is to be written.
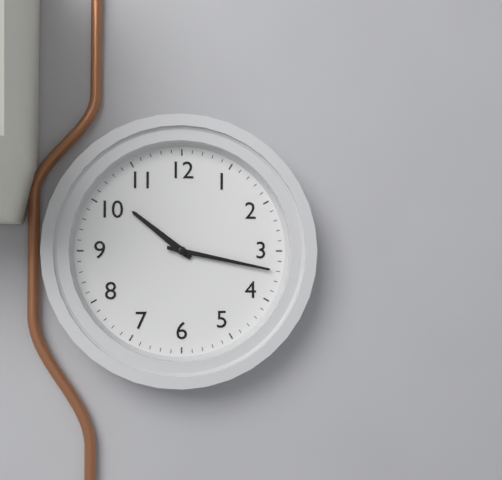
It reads {"hour": 10, "minute": 17}
